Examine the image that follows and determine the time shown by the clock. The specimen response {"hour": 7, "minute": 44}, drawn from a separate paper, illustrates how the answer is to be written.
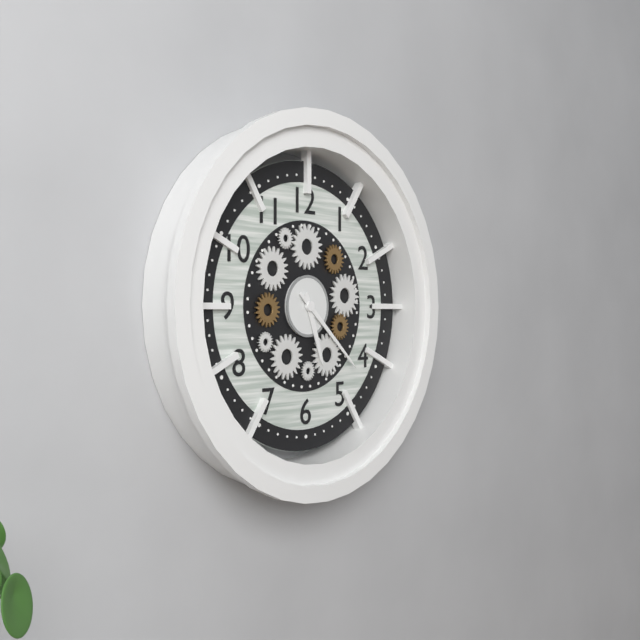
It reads {"hour": 5, "minute": 22}
